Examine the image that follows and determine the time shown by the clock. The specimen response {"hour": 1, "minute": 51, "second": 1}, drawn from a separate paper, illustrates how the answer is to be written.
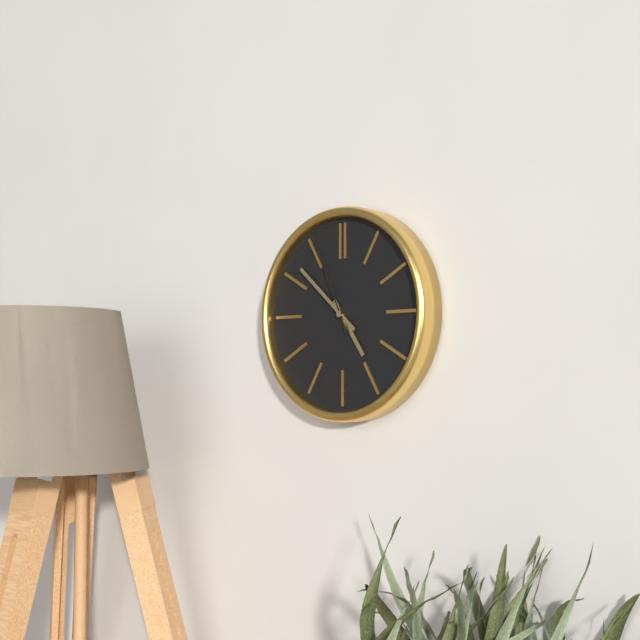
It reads {"hour": 4, "minute": 52, "second": 56}
